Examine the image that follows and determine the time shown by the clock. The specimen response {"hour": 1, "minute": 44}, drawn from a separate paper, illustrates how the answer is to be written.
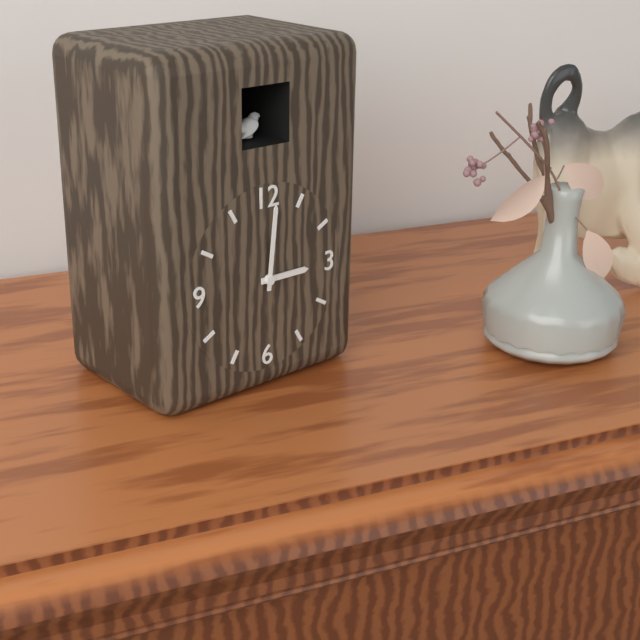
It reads {"hour": 3, "minute": 1}
